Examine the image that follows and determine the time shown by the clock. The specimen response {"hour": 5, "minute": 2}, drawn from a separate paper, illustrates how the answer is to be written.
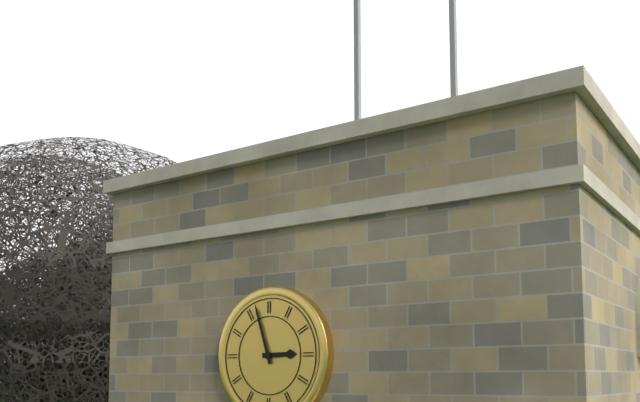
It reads {"hour": 2, "minute": 57}
